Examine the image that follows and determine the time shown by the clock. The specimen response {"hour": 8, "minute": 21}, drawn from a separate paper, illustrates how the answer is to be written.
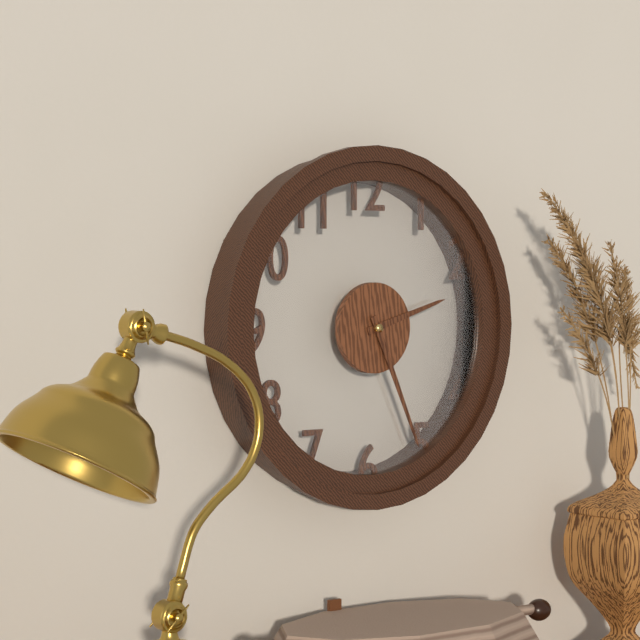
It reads {"hour": 2, "minute": 26}
